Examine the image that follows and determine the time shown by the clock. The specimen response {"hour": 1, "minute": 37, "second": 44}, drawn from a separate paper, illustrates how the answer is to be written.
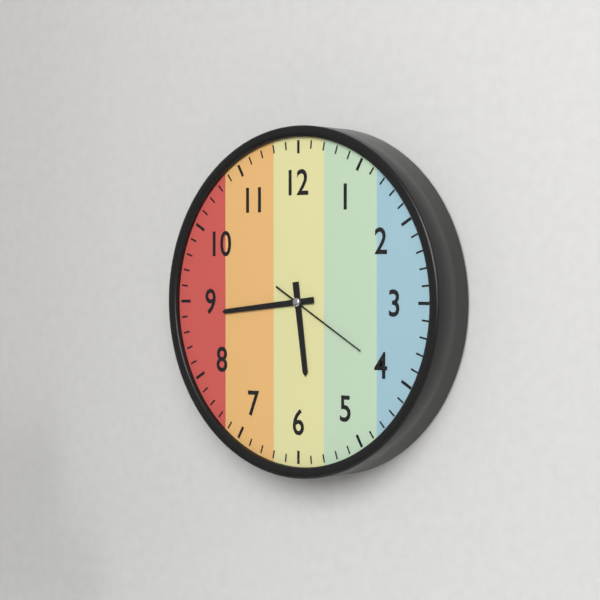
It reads {"hour": 5, "minute": 44, "second": 20}
